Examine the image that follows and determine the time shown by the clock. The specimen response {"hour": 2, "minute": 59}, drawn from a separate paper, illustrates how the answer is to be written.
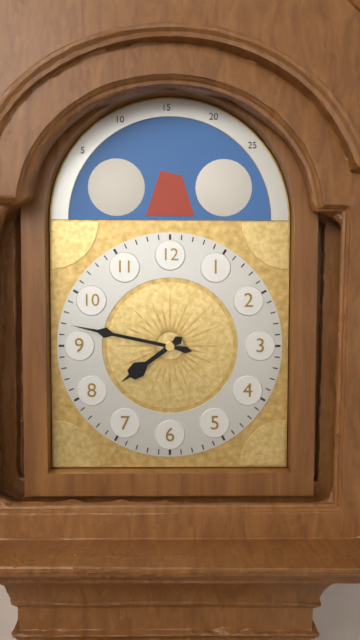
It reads {"hour": 7, "minute": 47}
